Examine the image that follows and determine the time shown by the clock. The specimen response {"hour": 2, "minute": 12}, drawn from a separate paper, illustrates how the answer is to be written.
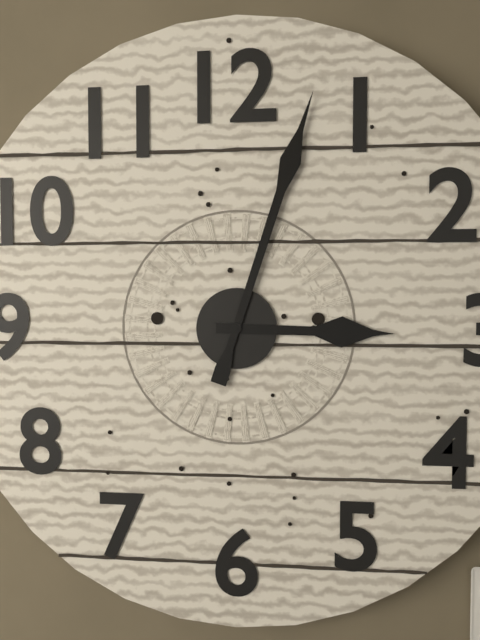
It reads {"hour": 3, "minute": 3}
